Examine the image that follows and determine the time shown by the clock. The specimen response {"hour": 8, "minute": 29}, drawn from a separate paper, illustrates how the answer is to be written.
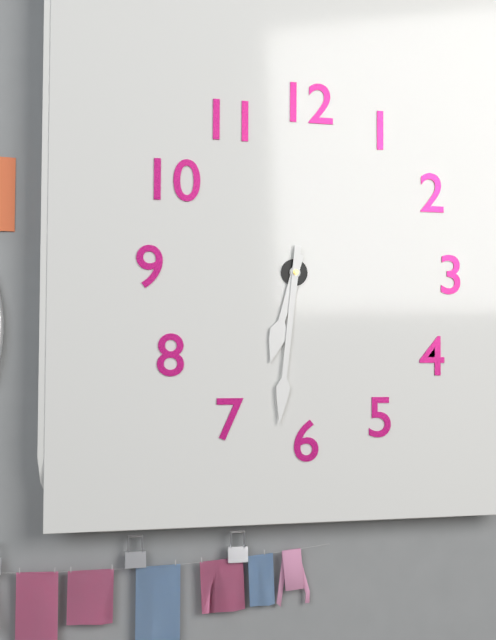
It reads {"hour": 6, "minute": 31}
